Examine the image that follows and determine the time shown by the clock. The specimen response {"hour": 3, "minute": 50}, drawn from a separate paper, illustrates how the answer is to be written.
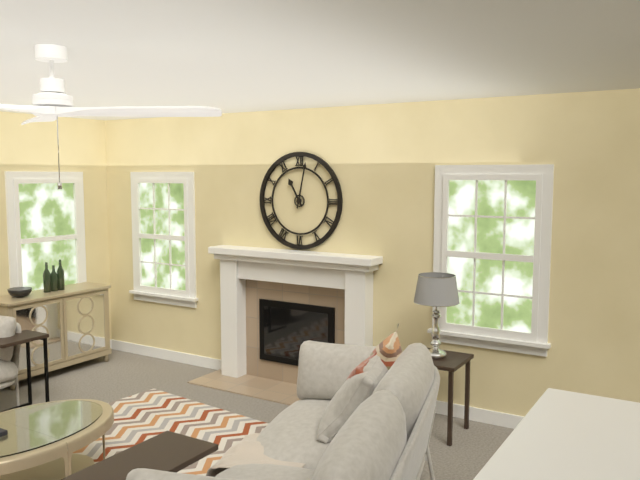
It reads {"hour": 11, "minute": 2}
